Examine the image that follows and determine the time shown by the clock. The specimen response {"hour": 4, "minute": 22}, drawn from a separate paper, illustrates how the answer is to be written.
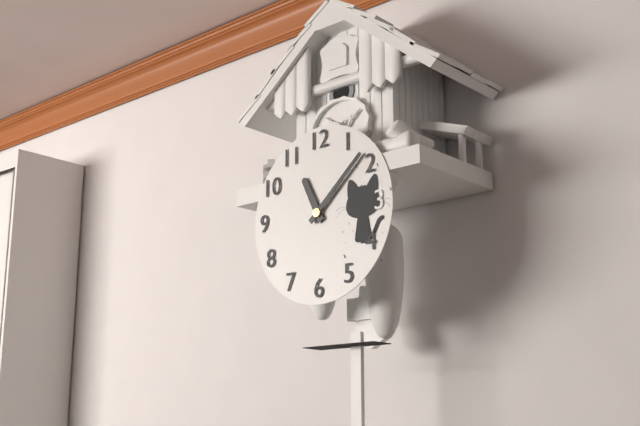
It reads {"hour": 11, "minute": 8}
